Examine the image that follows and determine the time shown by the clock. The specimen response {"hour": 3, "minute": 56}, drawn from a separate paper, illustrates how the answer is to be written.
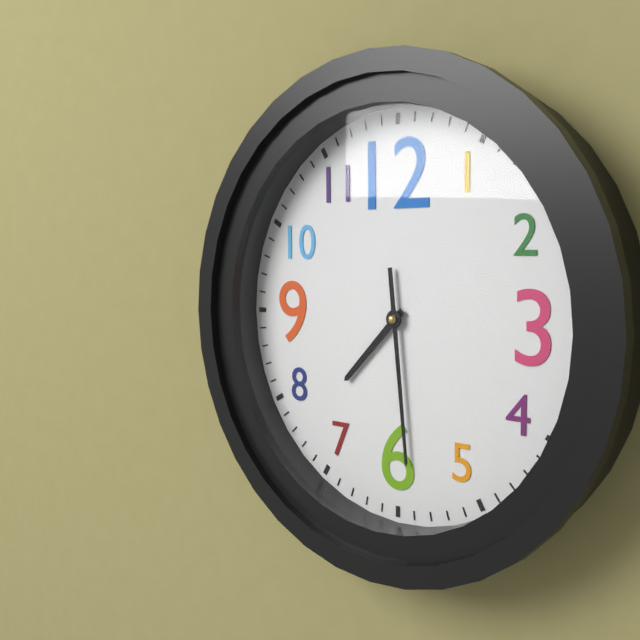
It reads {"hour": 7, "minute": 29}
